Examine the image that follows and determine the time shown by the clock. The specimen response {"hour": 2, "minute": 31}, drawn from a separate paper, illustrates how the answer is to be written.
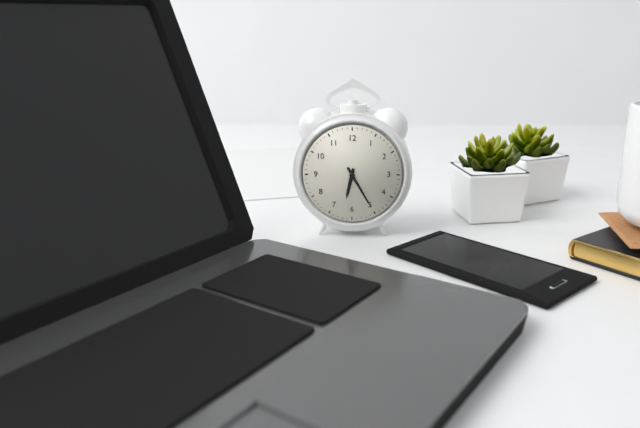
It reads {"hour": 6, "minute": 25}
